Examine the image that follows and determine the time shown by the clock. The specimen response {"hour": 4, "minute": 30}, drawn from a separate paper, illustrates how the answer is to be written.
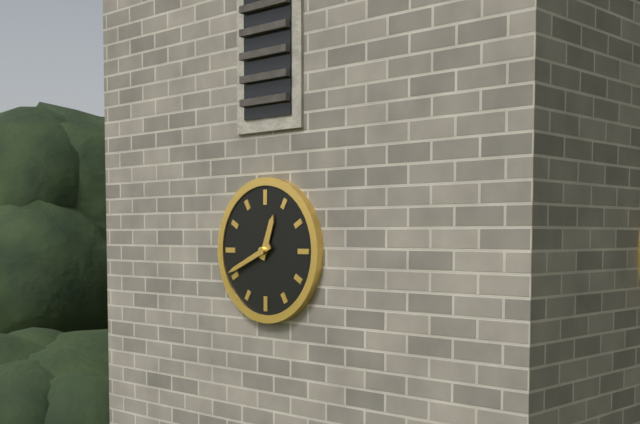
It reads {"hour": 12, "minute": 41}
